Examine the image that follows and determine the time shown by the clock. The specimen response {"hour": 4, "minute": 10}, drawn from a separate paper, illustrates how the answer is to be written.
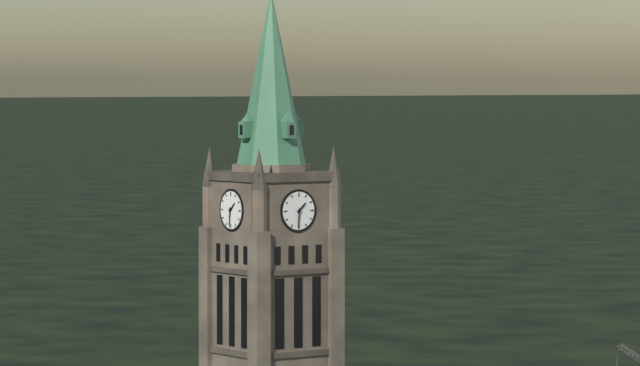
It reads {"hour": 1, "minute": 31}
